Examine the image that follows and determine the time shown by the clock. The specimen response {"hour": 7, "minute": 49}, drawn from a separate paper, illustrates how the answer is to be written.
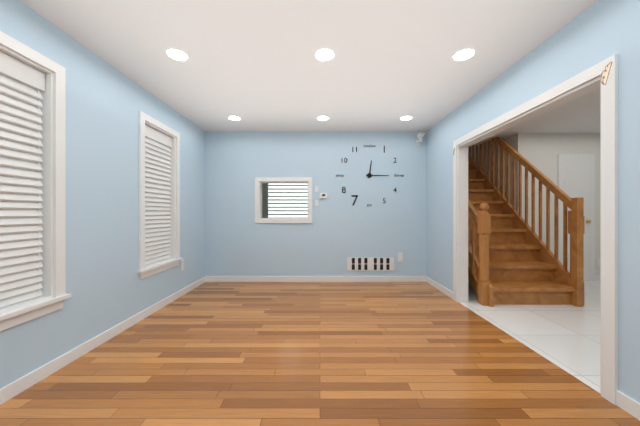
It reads {"hour": 12, "minute": 15}
